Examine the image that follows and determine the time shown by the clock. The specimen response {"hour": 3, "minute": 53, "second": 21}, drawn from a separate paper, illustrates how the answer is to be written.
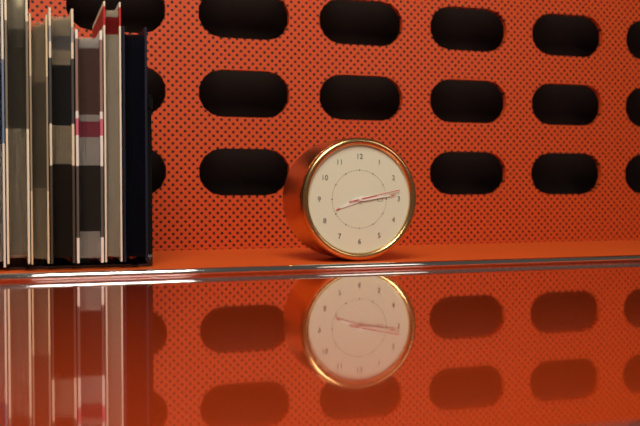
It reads {"hour": 8, "minute": 14, "second": 13}
